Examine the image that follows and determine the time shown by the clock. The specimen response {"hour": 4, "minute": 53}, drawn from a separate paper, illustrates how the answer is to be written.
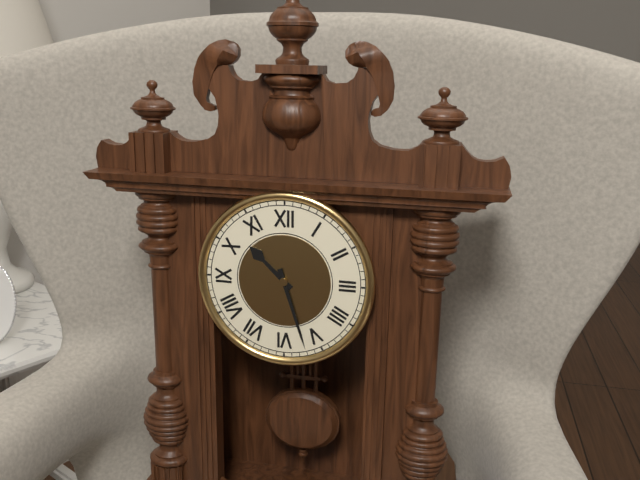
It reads {"hour": 10, "minute": 27}
